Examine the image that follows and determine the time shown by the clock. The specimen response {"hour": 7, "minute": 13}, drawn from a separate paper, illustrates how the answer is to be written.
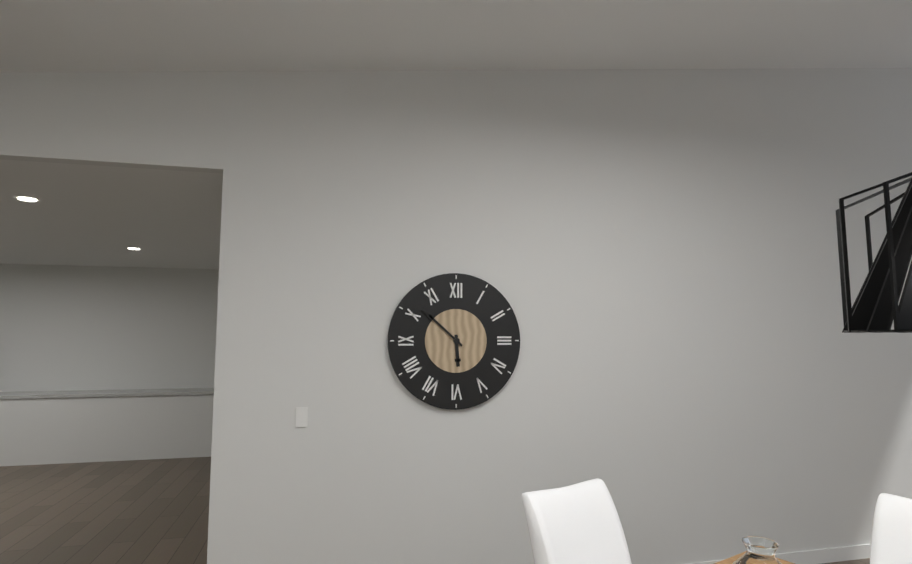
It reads {"hour": 5, "minute": 52}
